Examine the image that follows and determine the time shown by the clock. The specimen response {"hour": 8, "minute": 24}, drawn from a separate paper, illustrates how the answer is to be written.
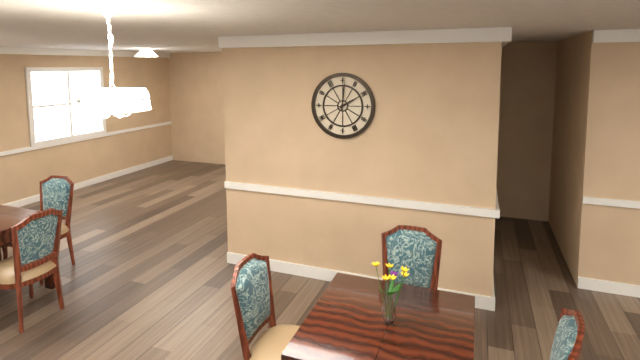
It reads {"hour": 2, "minute": 1}
